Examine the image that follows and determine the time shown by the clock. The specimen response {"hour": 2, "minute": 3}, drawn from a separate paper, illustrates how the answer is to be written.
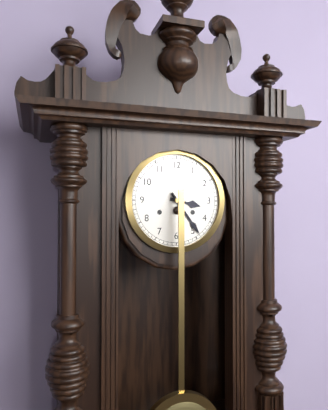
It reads {"hour": 3, "minute": 24}
